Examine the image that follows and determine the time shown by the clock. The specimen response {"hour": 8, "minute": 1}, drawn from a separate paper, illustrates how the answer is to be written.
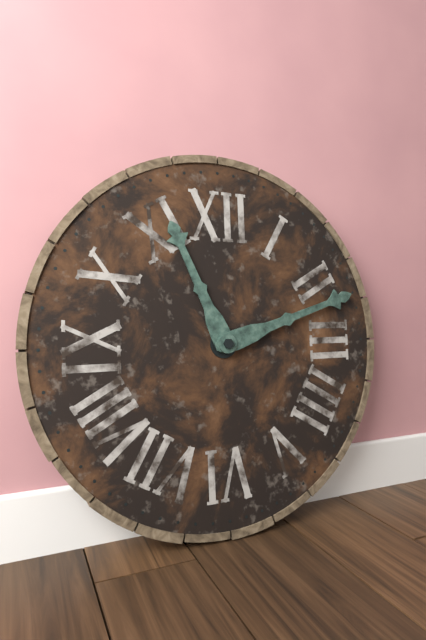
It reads {"hour": 11, "minute": 12}
